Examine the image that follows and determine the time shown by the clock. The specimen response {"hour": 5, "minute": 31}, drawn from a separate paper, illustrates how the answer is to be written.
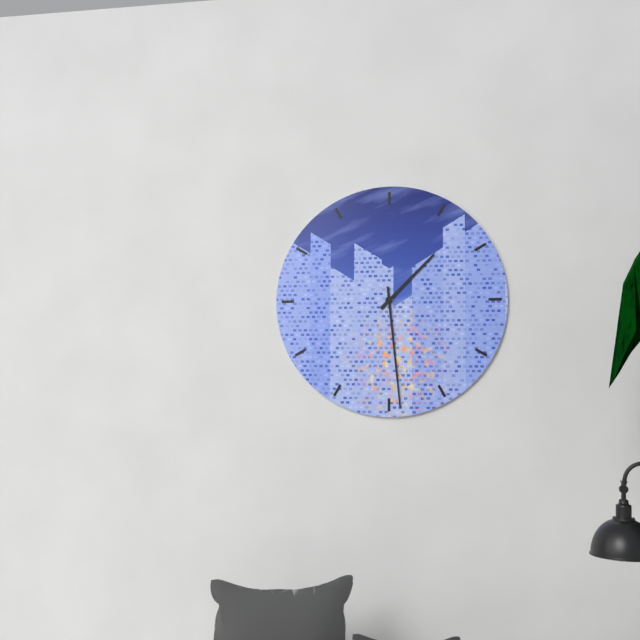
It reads {"hour": 1, "minute": 29}
